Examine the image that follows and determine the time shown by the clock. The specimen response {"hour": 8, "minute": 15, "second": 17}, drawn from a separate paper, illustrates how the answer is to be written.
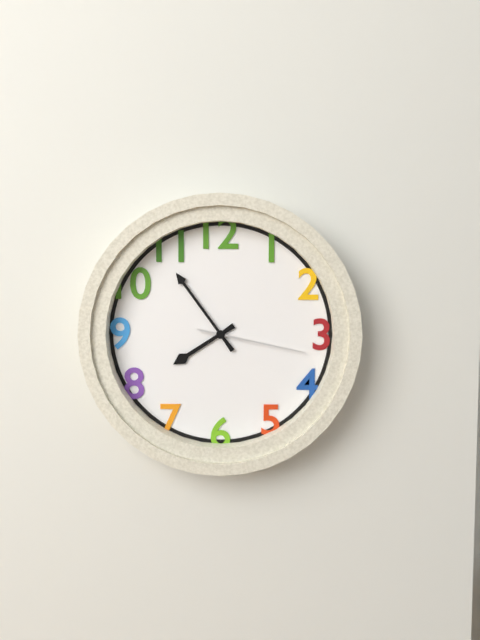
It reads {"hour": 7, "minute": 54, "second": 17}
